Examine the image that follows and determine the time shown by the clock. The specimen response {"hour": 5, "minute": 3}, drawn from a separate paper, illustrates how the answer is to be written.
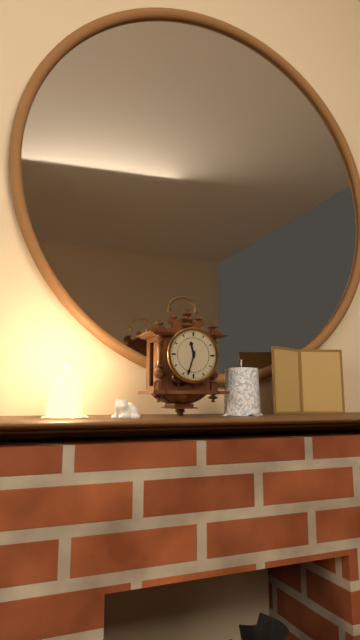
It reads {"hour": 11, "minute": 33}
